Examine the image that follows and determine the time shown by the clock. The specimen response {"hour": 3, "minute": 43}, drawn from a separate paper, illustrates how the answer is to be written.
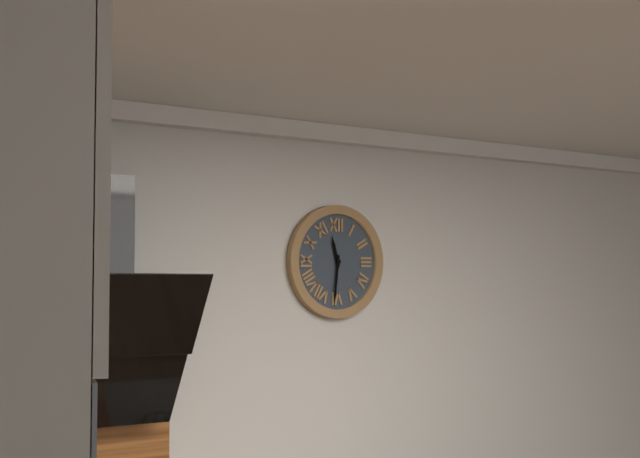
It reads {"hour": 11, "minute": 31}
